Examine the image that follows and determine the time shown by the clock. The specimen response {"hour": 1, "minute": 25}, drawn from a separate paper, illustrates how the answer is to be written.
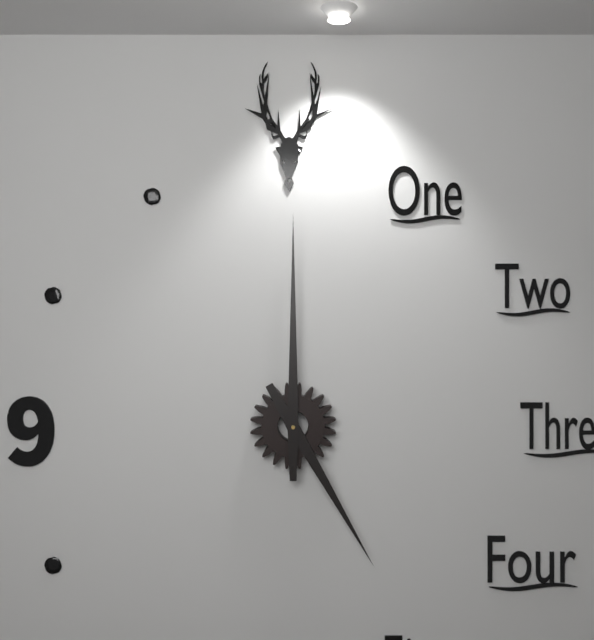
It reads {"hour": 5, "minute": 0}
